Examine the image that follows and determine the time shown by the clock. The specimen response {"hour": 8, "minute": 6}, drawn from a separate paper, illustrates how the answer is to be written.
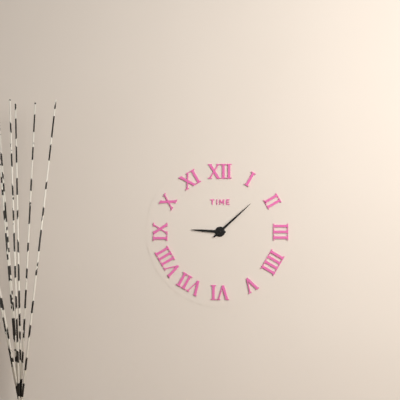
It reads {"hour": 9, "minute": 8}
